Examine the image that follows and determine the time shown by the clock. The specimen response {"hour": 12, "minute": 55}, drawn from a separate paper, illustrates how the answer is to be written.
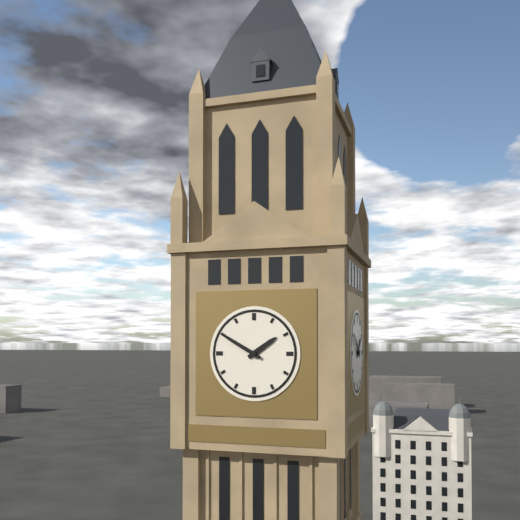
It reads {"hour": 1, "minute": 50}
